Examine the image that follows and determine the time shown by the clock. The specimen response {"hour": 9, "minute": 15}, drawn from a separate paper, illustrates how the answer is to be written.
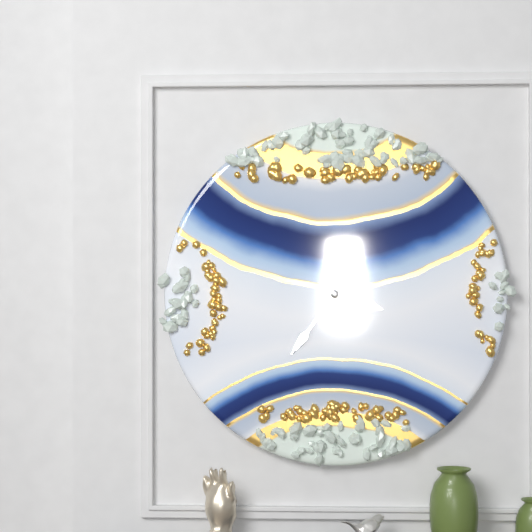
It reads {"hour": 3, "minute": 36}
